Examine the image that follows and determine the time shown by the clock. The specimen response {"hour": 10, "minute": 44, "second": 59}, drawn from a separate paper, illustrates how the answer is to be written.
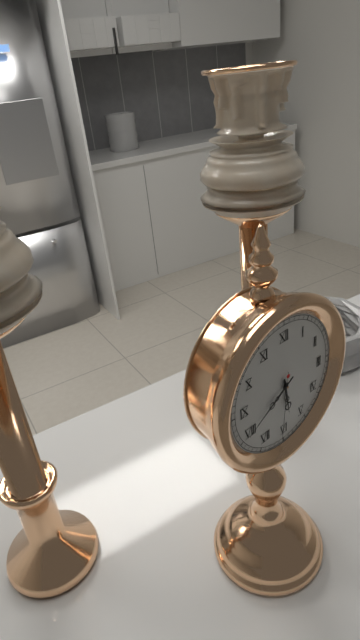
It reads {"hour": 5, "minute": 40, "second": 31}
